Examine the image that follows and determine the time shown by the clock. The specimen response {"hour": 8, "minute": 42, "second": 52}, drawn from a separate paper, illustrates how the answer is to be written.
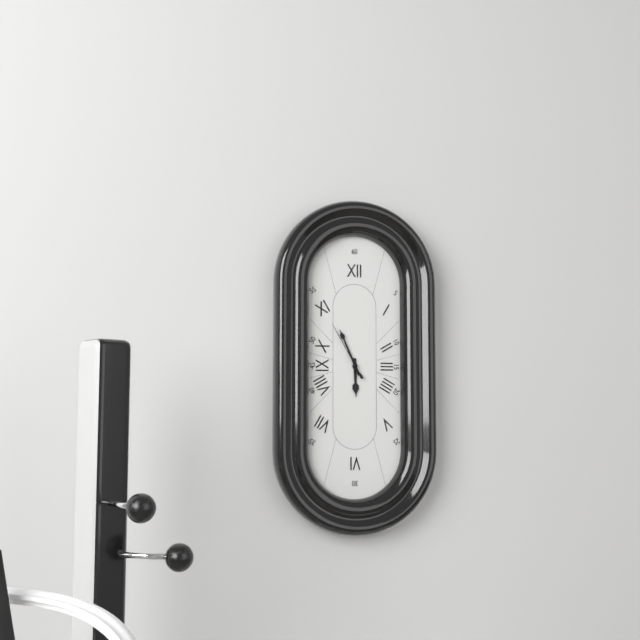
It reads {"hour": 5, "minute": 56, "second": 55}
